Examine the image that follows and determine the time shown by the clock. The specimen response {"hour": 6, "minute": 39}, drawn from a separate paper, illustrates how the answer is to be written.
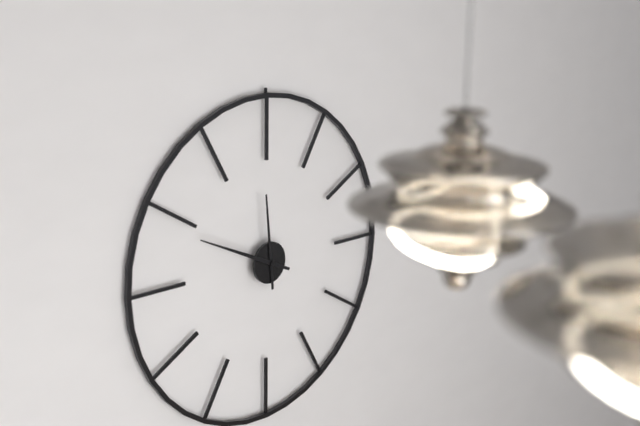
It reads {"hour": 11, "minute": 49}
